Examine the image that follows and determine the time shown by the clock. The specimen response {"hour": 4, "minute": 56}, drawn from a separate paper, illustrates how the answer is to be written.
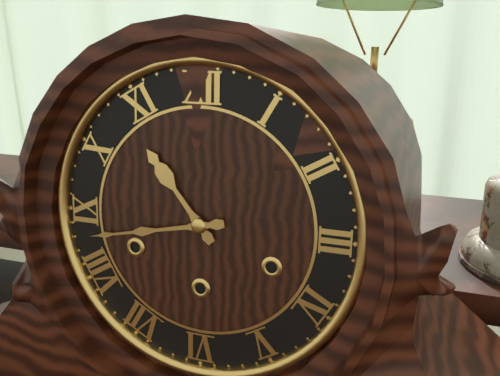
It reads {"hour": 10, "minute": 43}
